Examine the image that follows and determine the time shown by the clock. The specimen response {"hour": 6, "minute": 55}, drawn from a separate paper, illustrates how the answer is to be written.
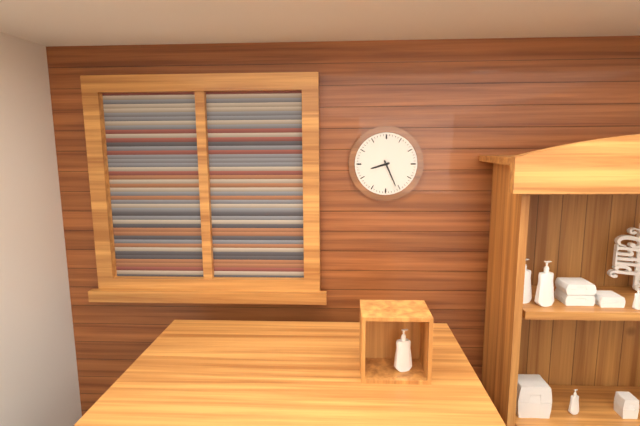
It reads {"hour": 8, "minute": 26}
